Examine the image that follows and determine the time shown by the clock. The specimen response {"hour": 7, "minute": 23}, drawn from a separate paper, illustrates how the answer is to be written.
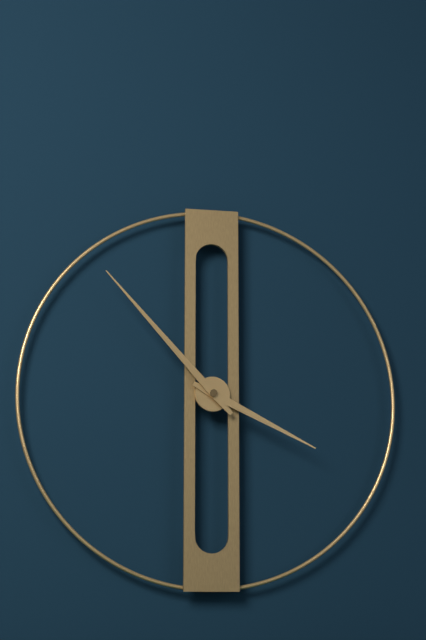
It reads {"hour": 3, "minute": 53}
